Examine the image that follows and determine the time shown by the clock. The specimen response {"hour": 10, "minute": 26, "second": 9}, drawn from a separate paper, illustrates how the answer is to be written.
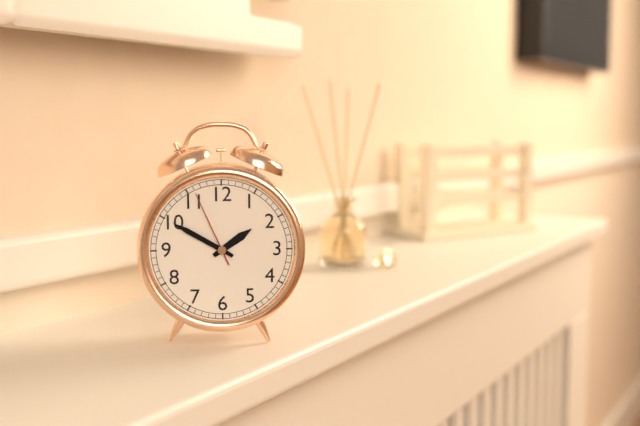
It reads {"hour": 1, "minute": 50, "second": 56}
